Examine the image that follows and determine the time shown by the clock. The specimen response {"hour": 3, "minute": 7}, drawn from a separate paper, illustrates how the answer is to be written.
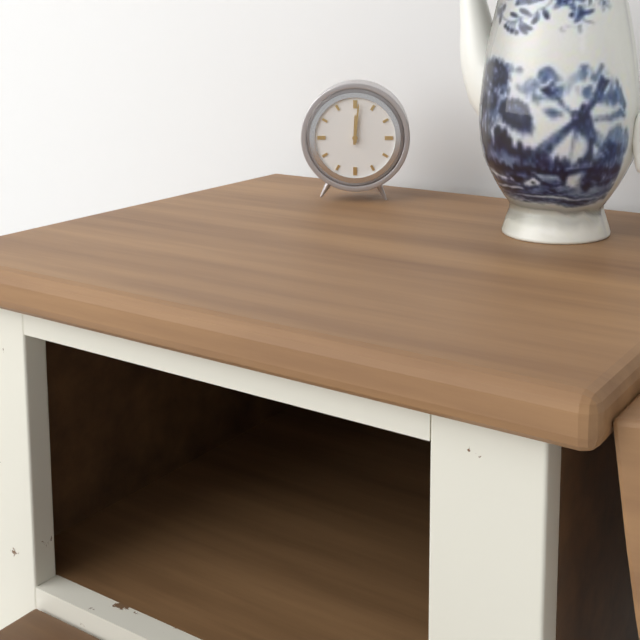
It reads {"hour": 12, "minute": 1}
